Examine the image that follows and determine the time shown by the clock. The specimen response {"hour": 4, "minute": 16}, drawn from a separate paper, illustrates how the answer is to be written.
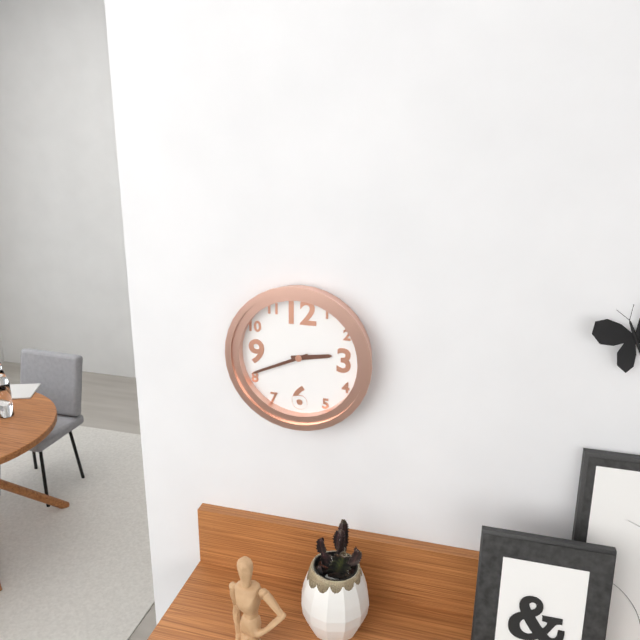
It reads {"hour": 2, "minute": 41}
